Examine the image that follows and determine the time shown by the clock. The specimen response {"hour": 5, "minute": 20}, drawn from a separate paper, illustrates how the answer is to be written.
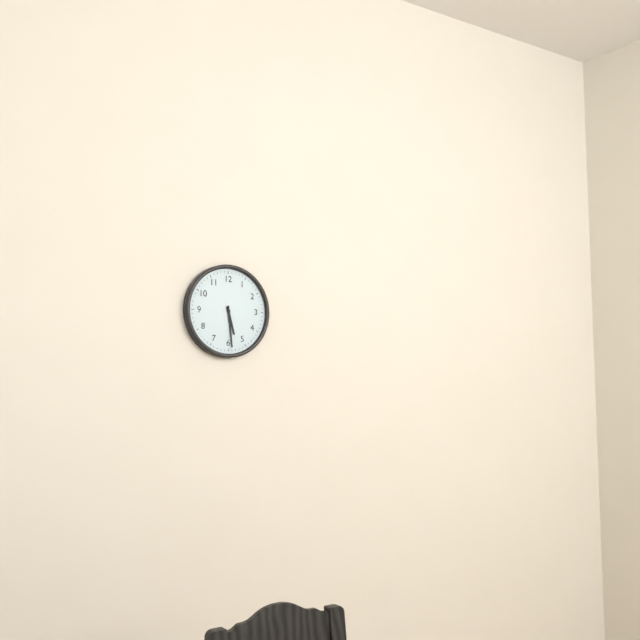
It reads {"hour": 5, "minute": 29}
